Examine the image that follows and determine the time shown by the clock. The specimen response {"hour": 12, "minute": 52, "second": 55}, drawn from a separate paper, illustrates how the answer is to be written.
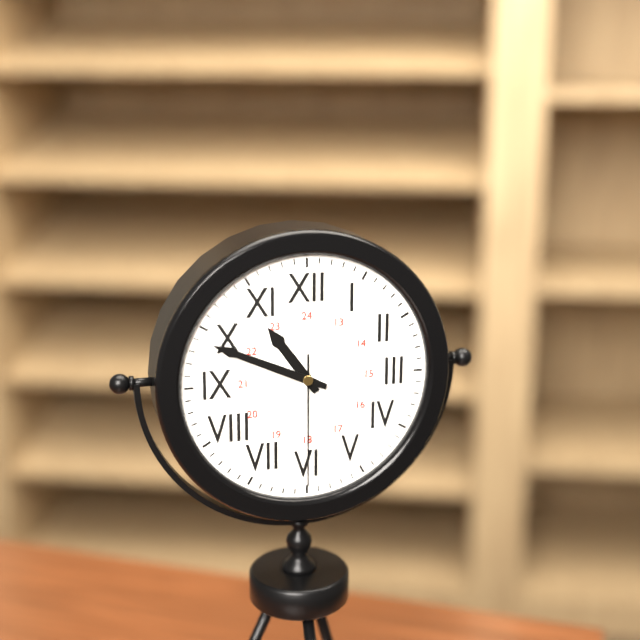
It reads {"hour": 10, "minute": 49, "second": 30}
